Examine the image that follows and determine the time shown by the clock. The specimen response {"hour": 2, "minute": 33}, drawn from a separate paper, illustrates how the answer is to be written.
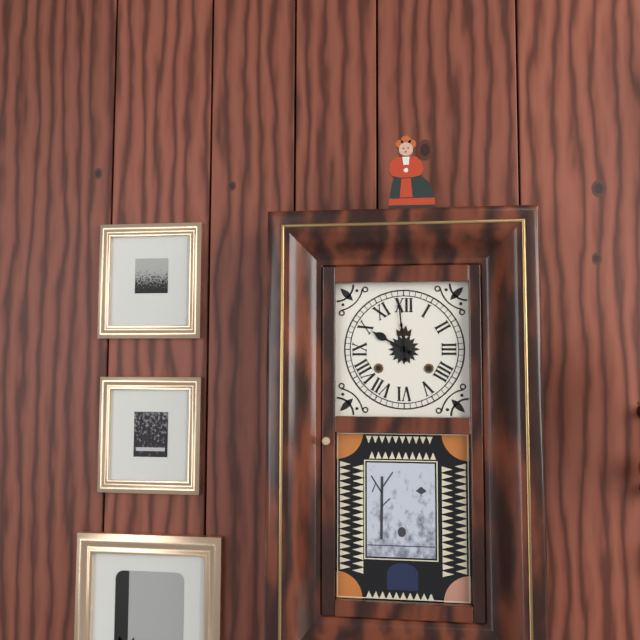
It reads {"hour": 9, "minute": 59}
